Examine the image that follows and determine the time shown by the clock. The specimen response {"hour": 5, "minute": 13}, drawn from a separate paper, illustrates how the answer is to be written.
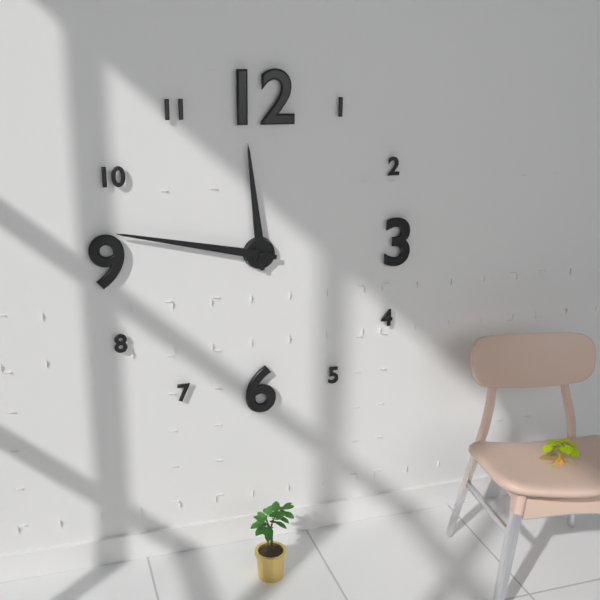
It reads {"hour": 11, "minute": 47}
